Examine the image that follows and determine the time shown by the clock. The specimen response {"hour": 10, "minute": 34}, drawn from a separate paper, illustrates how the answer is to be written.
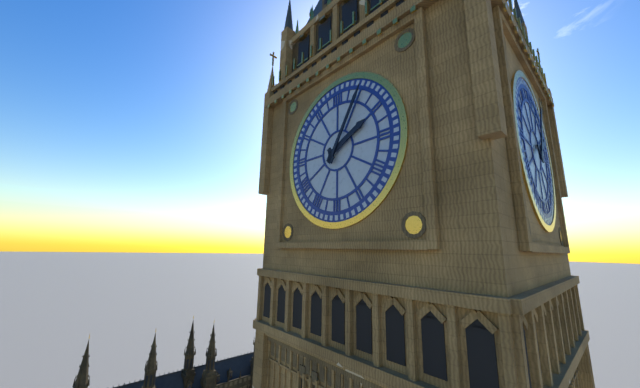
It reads {"hour": 2, "minute": 5}
